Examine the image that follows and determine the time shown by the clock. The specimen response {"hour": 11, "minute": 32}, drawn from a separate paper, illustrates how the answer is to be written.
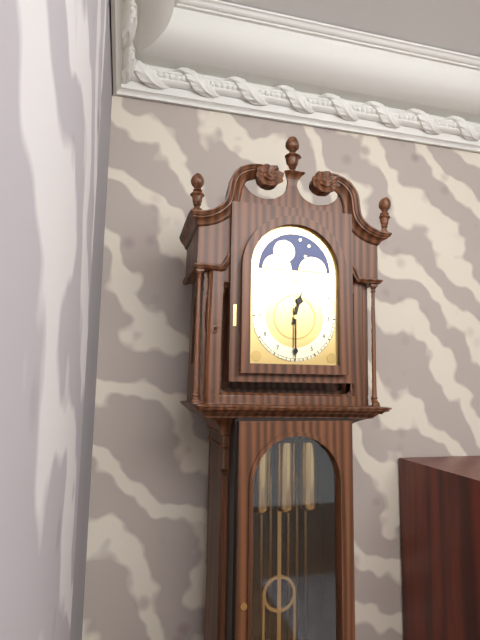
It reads {"hour": 12, "minute": 30}
